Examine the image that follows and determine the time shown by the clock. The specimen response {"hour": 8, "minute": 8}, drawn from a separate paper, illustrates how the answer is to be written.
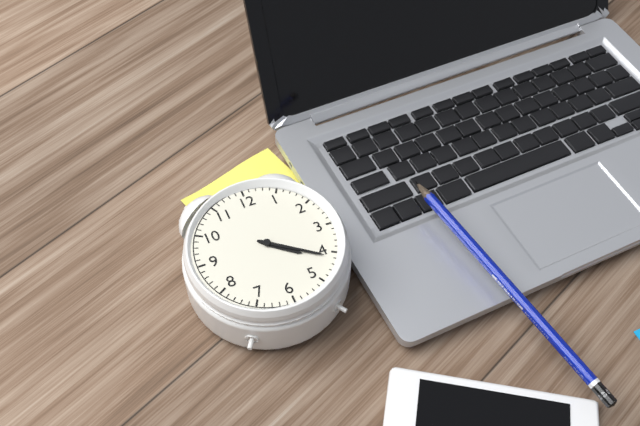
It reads {"hour": 4, "minute": 21}
